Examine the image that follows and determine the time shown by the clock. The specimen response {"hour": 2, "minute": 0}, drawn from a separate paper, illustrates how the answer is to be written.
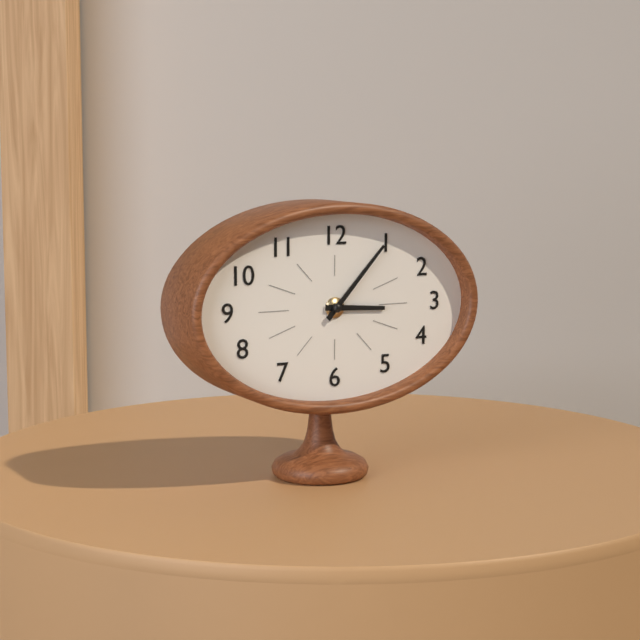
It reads {"hour": 3, "minute": 7}
